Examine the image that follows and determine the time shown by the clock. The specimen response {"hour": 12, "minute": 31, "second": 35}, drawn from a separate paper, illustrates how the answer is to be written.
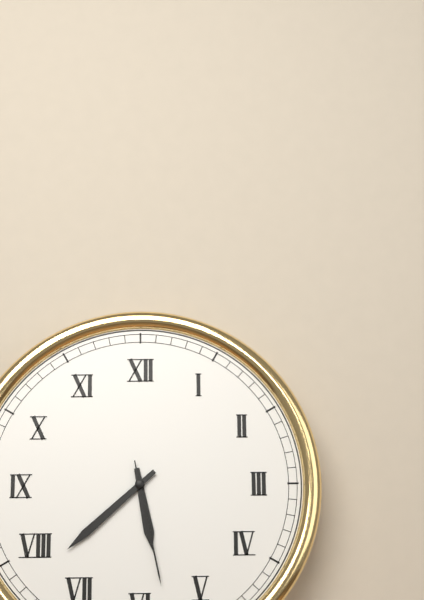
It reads {"hour": 5, "minute": 38, "second": 28}
